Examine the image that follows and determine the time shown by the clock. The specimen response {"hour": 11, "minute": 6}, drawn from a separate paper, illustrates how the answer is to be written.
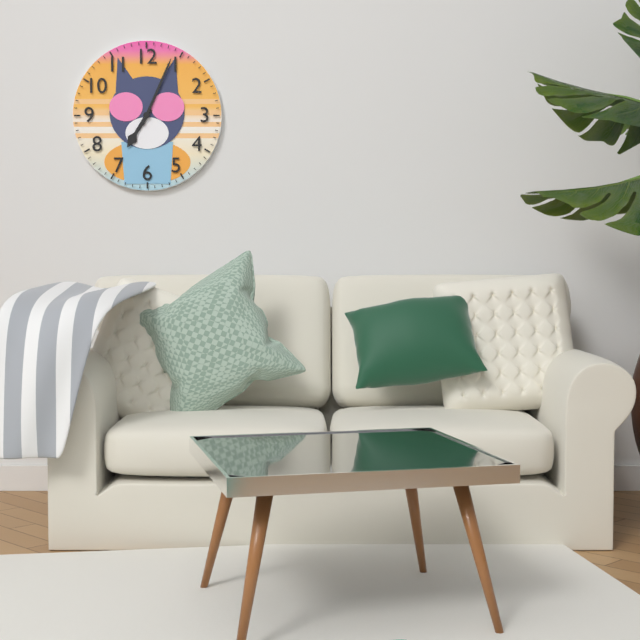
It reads {"hour": 7, "minute": 4}
